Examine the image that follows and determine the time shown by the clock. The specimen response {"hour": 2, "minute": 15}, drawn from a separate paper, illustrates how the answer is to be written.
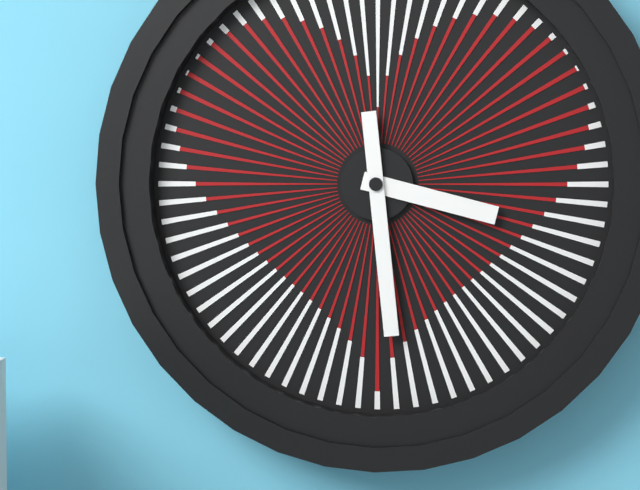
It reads {"hour": 3, "minute": 29}
